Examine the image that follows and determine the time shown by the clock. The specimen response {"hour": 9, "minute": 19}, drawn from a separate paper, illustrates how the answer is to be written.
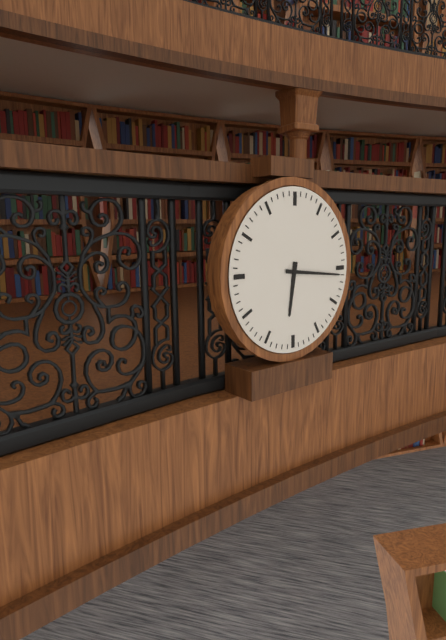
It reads {"hour": 6, "minute": 16}
